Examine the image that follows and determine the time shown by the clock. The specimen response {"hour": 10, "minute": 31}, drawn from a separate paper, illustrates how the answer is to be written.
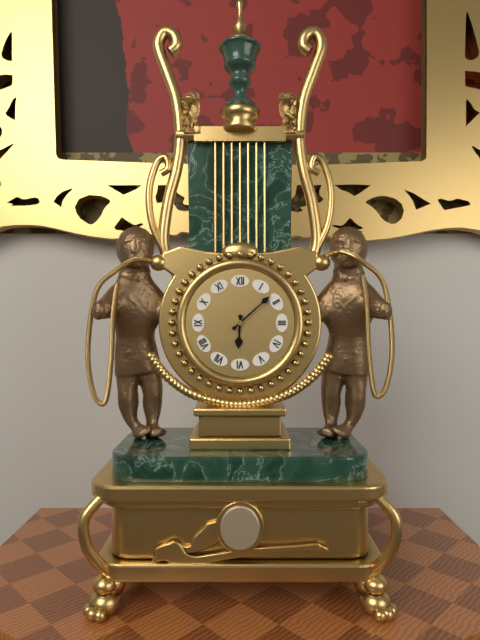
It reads {"hour": 6, "minute": 8}
